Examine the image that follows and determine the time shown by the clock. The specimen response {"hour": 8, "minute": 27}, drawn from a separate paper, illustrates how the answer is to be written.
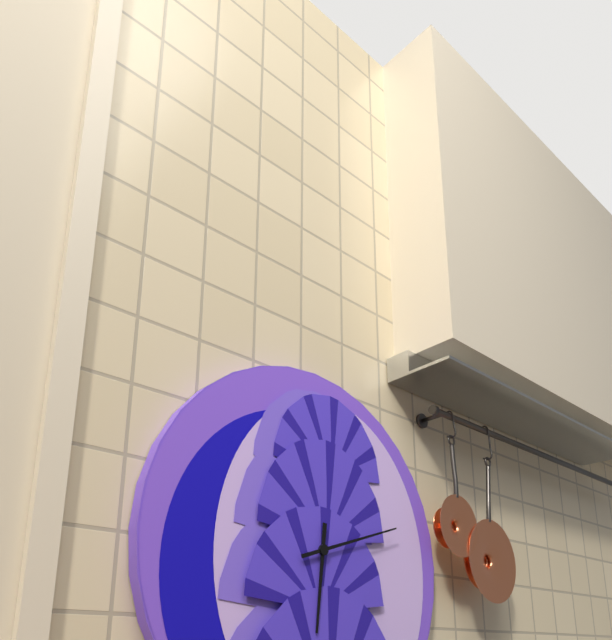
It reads {"hour": 6, "minute": 12}
